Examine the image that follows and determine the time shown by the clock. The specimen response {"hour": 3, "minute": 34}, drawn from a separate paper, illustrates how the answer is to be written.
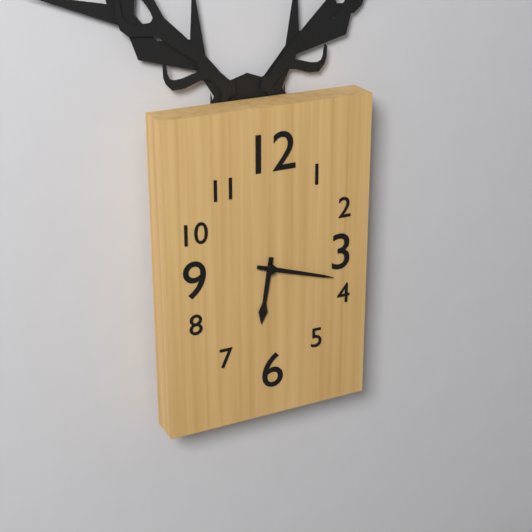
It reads {"hour": 6, "minute": 18}
